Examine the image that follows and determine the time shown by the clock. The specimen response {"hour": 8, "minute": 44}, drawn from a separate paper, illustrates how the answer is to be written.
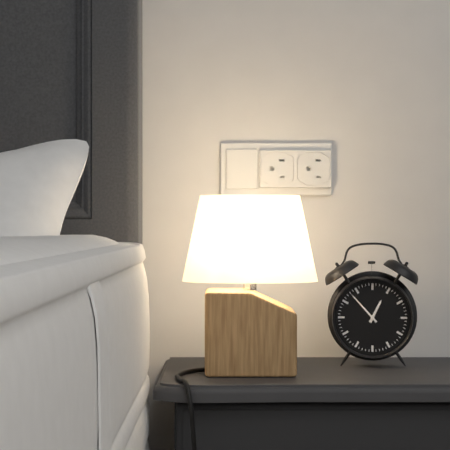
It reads {"hour": 12, "minute": 53}
